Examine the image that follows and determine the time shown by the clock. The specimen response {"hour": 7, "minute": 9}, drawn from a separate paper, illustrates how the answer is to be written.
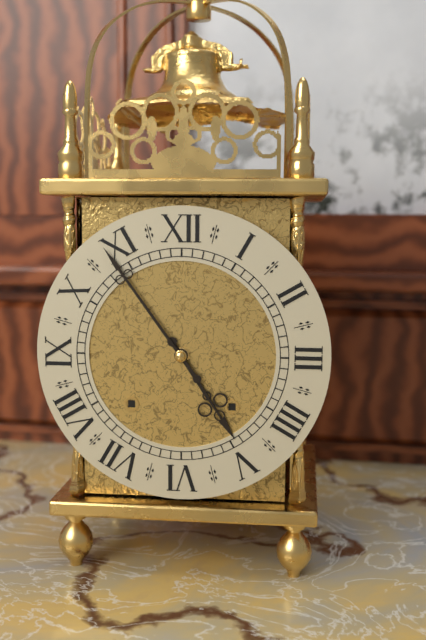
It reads {"hour": 4, "minute": 54}
